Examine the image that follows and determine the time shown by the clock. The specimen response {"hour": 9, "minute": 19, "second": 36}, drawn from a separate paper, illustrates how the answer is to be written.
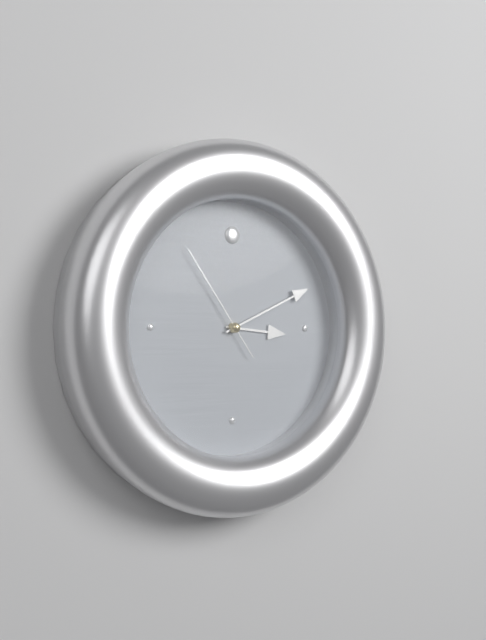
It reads {"hour": 3, "minute": 11, "second": 54}
